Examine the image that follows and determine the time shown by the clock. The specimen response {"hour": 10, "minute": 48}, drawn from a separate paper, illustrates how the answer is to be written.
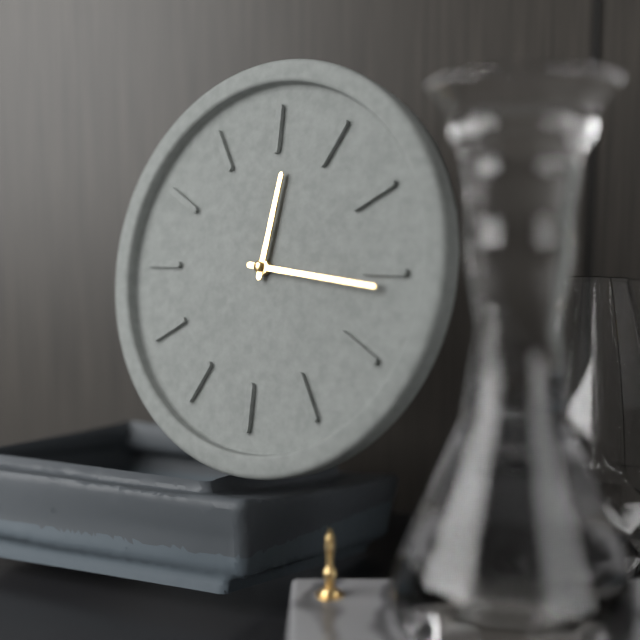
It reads {"hour": 12, "minute": 16}
